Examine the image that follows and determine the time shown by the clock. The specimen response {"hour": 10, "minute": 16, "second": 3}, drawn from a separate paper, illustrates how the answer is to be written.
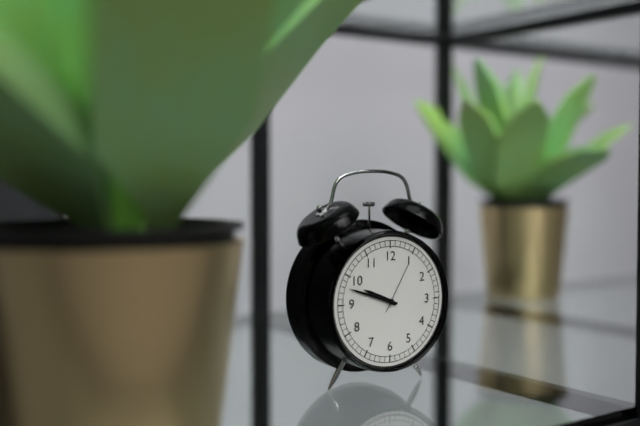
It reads {"hour": 9, "minute": 48, "second": 5}
